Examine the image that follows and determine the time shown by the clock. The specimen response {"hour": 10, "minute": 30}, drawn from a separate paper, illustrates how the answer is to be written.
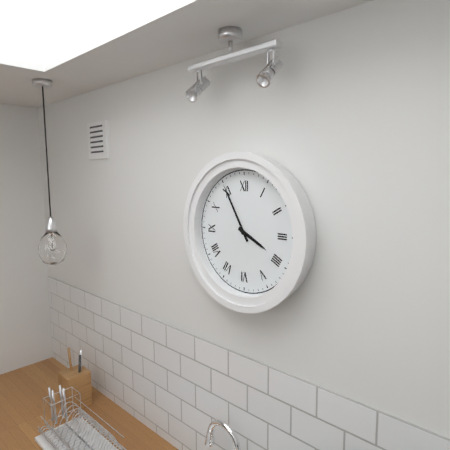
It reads {"hour": 3, "minute": 55}
